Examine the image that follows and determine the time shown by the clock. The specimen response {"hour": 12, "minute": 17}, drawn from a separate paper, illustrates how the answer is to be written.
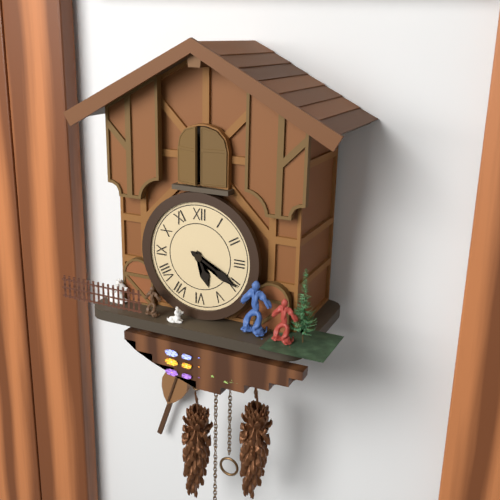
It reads {"hour": 5, "minute": 20}
